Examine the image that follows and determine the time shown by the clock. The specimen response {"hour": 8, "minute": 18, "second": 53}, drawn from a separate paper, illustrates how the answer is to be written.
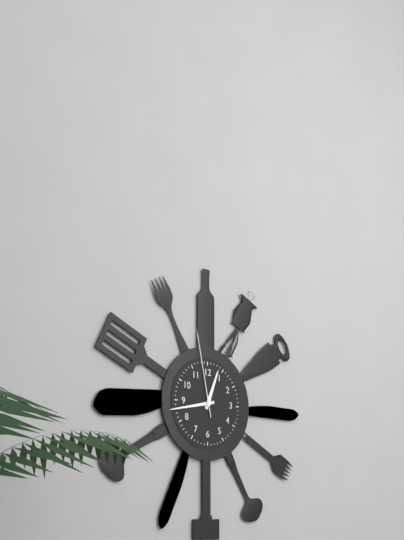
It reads {"hour": 12, "minute": 43, "second": 58}
